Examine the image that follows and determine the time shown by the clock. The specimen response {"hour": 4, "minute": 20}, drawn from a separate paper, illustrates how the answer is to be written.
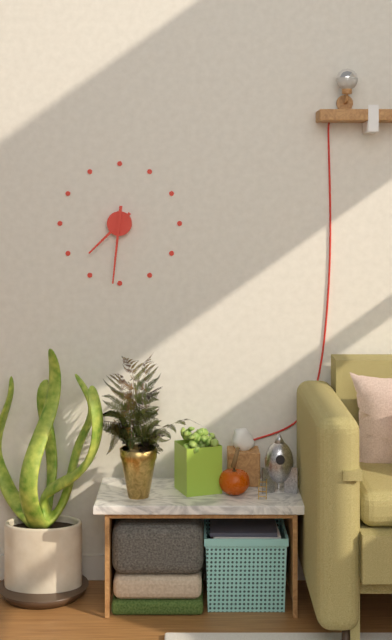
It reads {"hour": 7, "minute": 31}
